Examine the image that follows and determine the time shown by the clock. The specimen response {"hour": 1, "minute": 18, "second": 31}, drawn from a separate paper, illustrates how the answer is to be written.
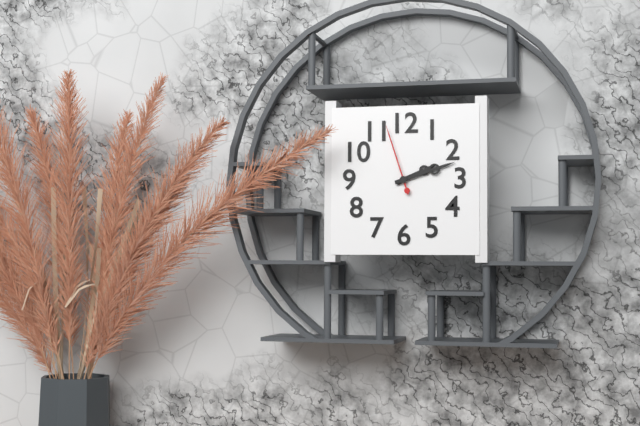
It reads {"hour": 2, "minute": 12, "second": 57}
